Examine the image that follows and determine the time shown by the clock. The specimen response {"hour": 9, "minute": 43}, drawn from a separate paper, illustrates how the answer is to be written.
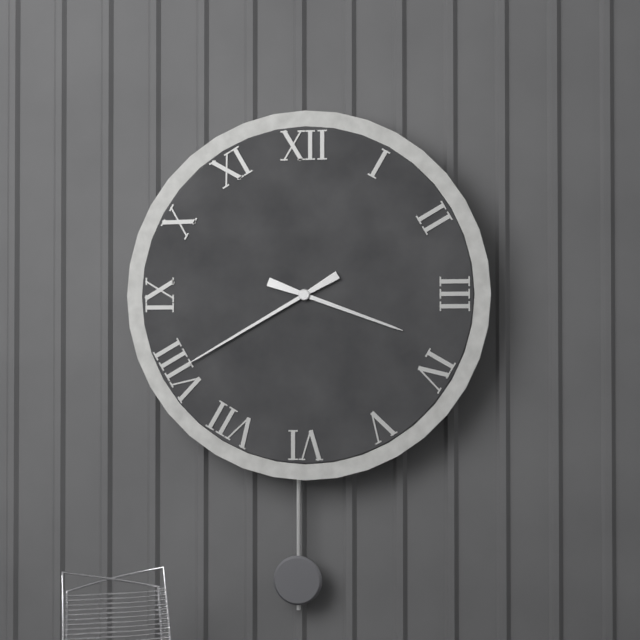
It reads {"hour": 3, "minute": 40}
